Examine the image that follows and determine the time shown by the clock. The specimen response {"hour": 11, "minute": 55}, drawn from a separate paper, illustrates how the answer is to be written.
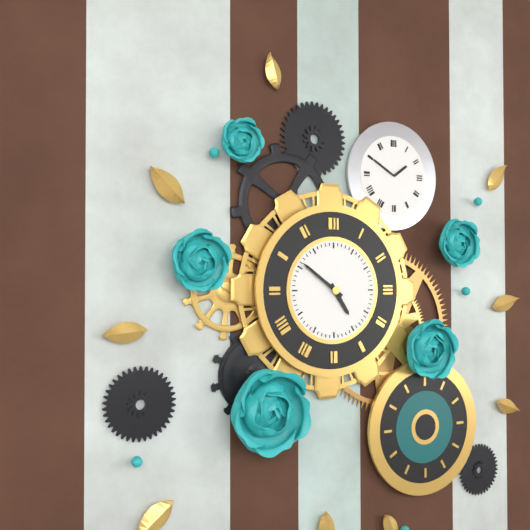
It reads {"hour": 4, "minute": 51}
